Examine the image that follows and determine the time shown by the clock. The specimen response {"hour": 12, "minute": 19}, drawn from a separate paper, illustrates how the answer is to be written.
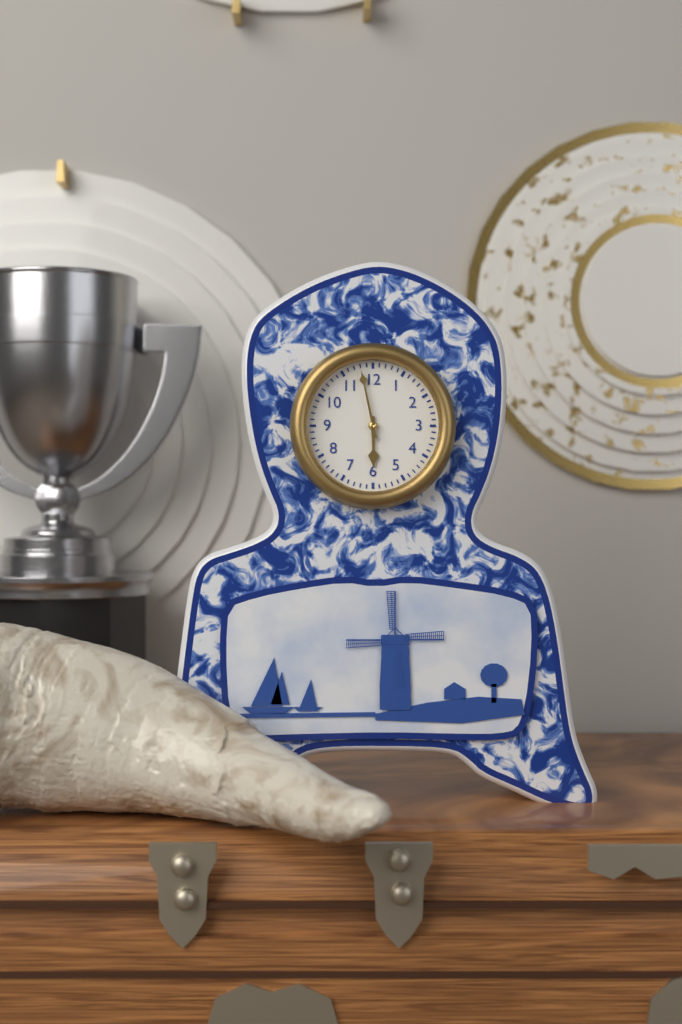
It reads {"hour": 5, "minute": 58}
